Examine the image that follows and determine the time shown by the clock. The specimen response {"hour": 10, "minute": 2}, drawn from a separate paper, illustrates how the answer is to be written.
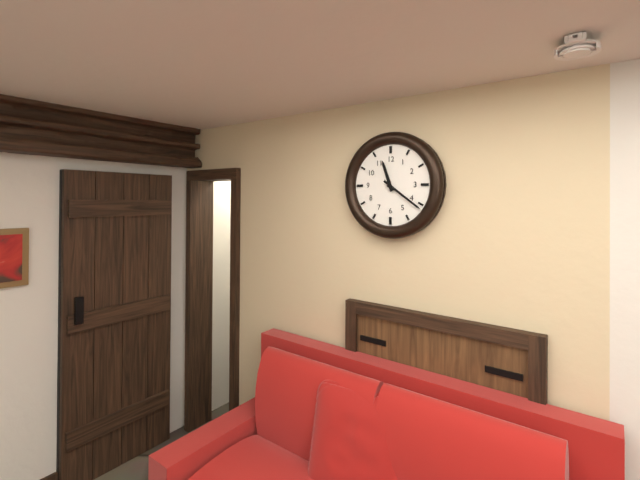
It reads {"hour": 11, "minute": 21}
